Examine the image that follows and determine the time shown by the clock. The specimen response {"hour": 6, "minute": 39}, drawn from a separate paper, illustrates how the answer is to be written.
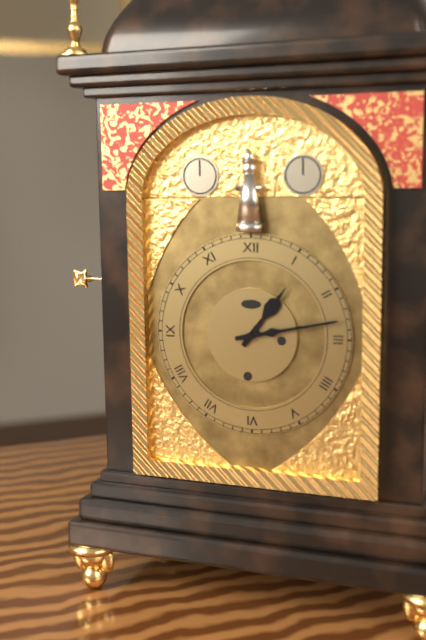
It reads {"hour": 1, "minute": 13}
